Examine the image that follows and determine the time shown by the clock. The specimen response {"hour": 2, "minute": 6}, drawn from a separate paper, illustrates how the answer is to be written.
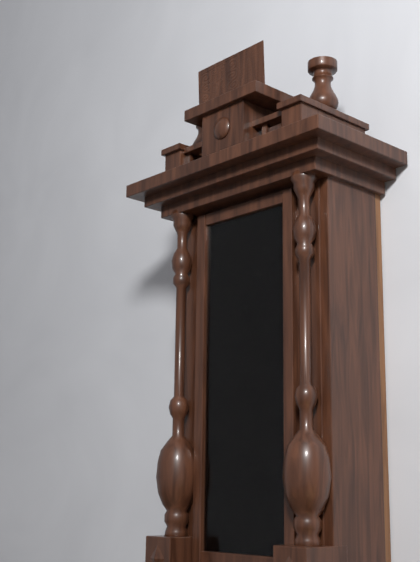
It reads {"hour": 9, "minute": 36}
